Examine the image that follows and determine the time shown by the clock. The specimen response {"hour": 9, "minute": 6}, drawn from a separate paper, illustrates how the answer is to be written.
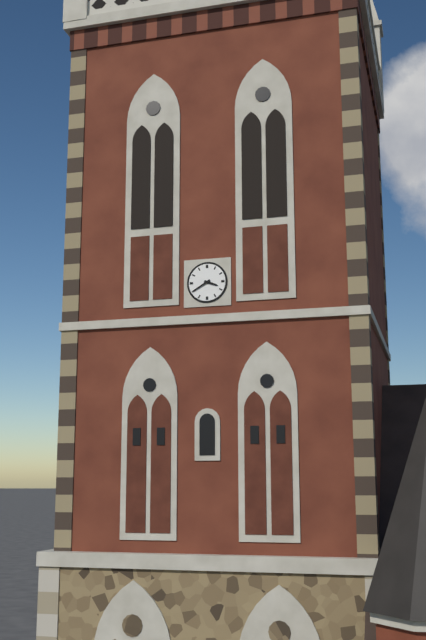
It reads {"hour": 3, "minute": 40}
